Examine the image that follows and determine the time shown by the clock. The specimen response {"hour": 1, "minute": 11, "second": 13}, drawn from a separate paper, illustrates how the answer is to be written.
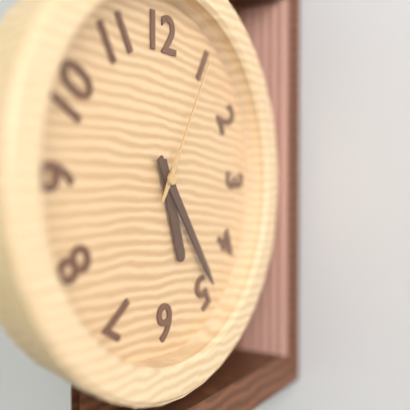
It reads {"hour": 5, "minute": 24, "second": 5}
